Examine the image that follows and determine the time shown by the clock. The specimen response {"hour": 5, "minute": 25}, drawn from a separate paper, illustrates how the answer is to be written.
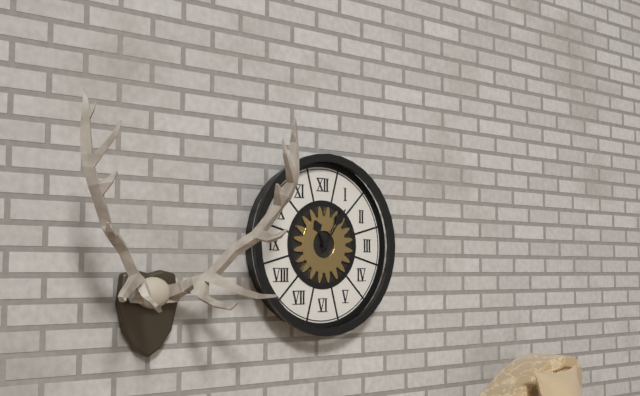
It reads {"hour": 11, "minute": 6}
